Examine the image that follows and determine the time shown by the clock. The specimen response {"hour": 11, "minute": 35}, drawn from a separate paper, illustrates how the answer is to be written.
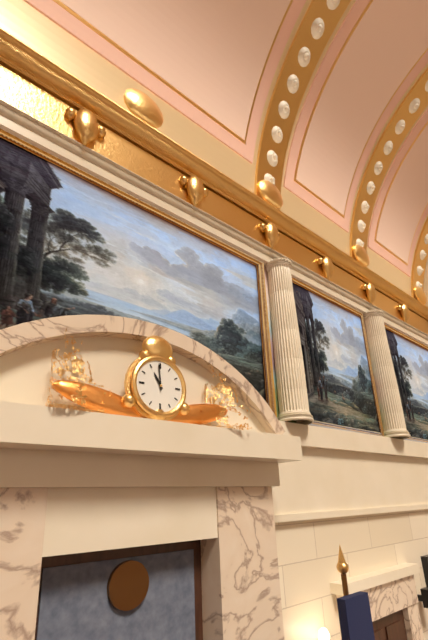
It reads {"hour": 10, "minute": 59}
